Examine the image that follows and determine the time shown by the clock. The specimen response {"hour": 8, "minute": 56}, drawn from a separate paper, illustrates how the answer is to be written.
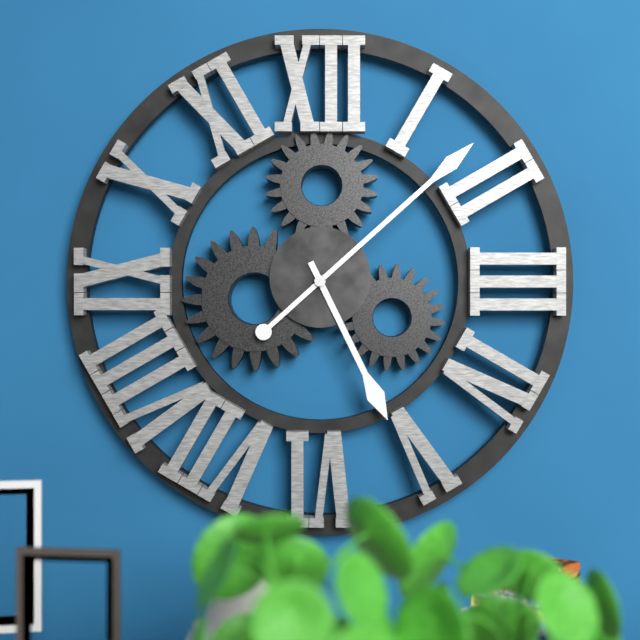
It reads {"hour": 5, "minute": 8}
